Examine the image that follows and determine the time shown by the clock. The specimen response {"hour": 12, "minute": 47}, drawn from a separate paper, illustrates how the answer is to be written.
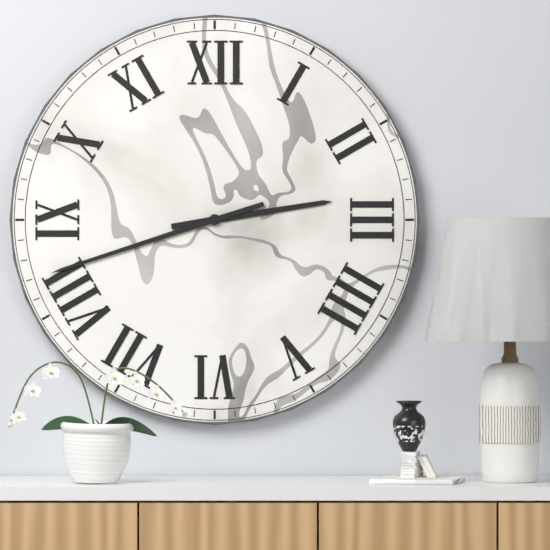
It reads {"hour": 2, "minute": 42}
